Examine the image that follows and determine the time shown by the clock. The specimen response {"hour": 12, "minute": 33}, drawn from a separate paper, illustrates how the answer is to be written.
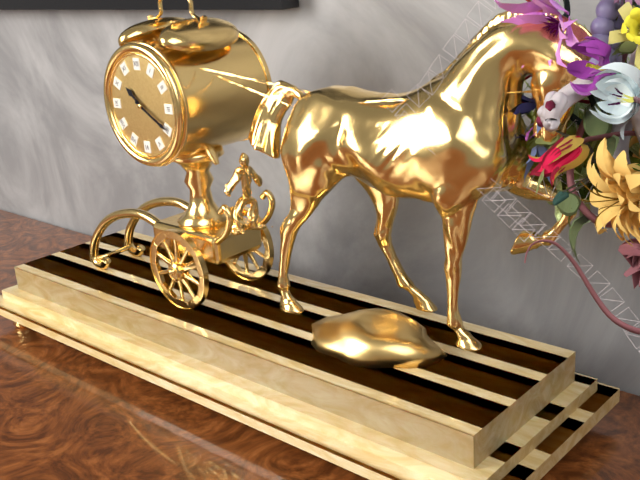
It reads {"hour": 10, "minute": 20}
